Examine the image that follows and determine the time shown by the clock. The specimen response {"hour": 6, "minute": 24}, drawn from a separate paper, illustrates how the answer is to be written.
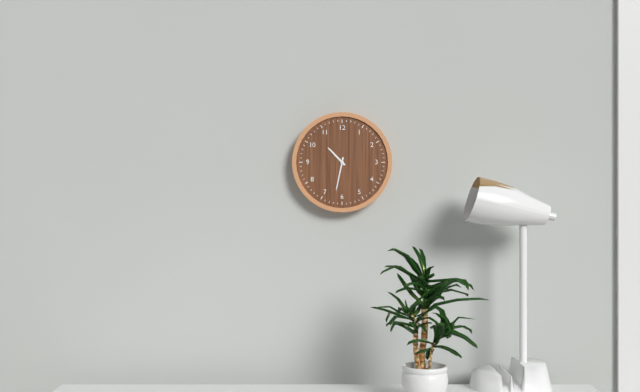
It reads {"hour": 10, "minute": 32}
